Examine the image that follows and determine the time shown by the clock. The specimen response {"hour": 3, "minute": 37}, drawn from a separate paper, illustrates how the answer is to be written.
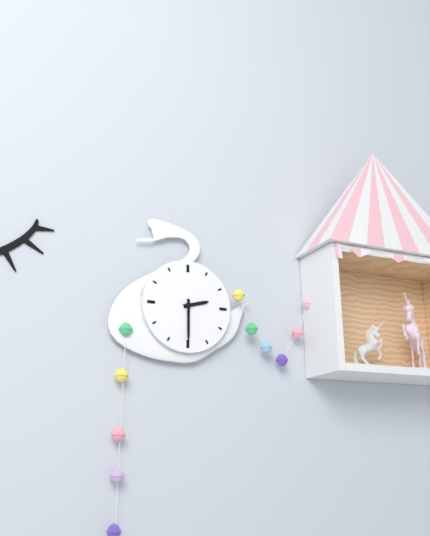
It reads {"hour": 2, "minute": 30}
